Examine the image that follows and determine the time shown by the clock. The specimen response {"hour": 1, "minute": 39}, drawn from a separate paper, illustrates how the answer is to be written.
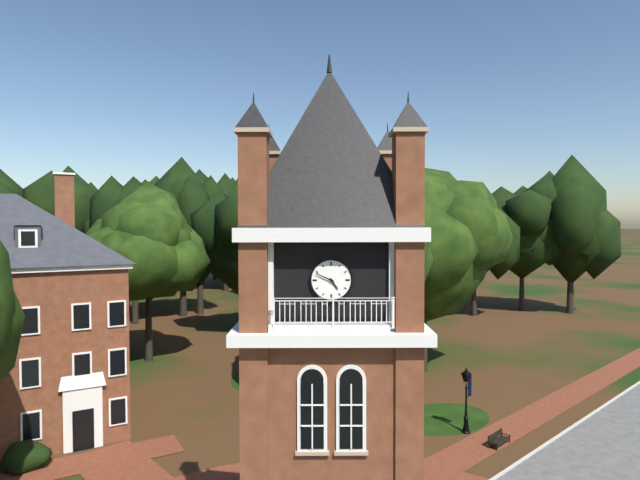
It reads {"hour": 4, "minute": 49}
